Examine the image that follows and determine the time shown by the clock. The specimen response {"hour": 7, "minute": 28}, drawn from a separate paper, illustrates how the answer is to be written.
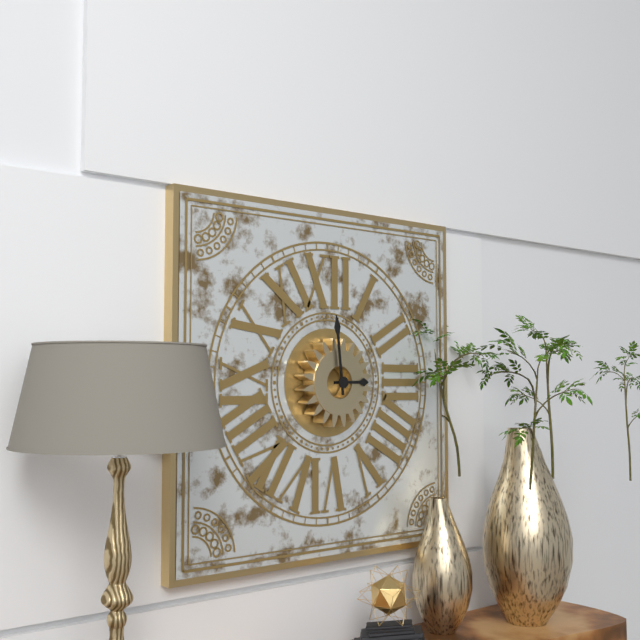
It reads {"hour": 2, "minute": 59}
